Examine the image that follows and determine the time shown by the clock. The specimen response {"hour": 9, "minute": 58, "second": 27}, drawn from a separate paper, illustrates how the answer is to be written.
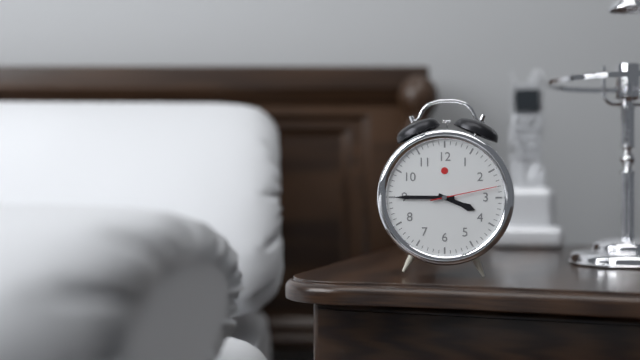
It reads {"hour": 3, "minute": 45, "second": 13}
